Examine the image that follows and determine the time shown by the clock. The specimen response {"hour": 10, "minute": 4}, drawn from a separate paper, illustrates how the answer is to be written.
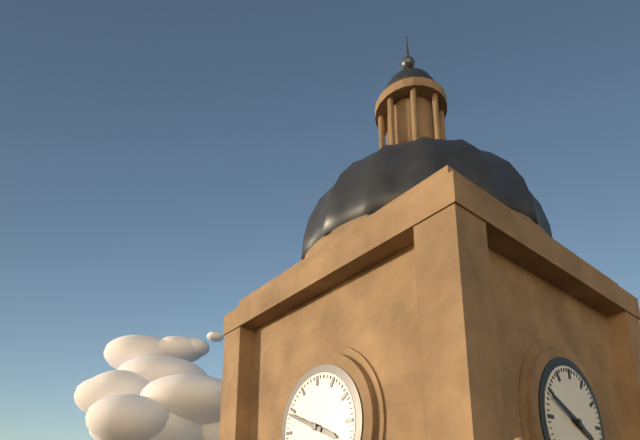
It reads {"hour": 3, "minute": 49}
